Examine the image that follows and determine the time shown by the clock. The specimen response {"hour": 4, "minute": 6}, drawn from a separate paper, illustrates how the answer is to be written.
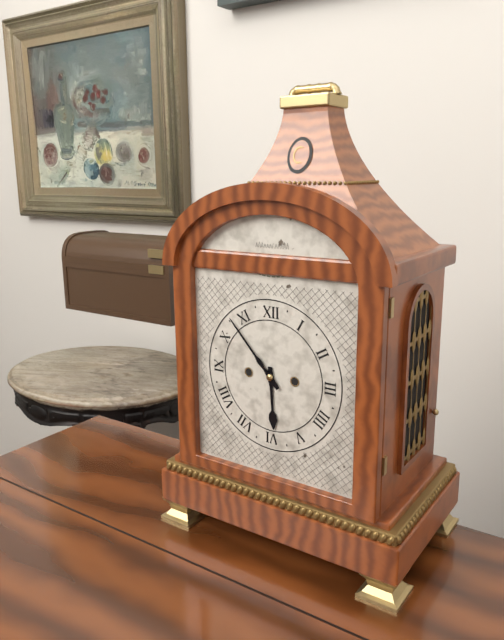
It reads {"hour": 5, "minute": 53}
